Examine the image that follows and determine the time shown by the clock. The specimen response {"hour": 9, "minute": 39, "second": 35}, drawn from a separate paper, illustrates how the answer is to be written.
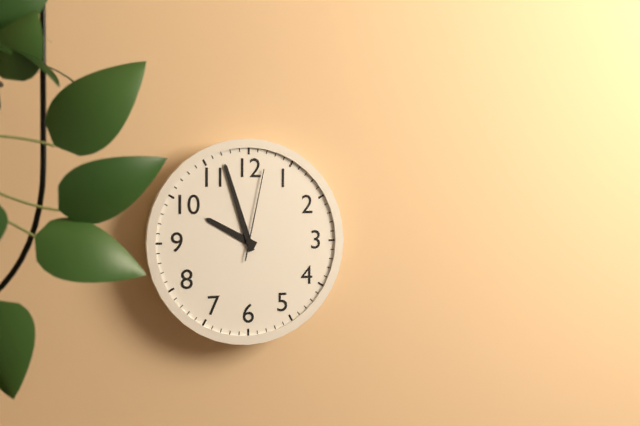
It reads {"hour": 9, "minute": 57, "second": 2}
